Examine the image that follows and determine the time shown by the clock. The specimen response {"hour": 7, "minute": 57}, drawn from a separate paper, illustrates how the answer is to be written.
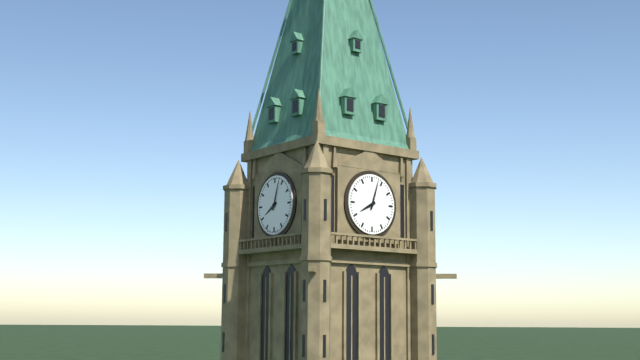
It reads {"hour": 8, "minute": 3}
